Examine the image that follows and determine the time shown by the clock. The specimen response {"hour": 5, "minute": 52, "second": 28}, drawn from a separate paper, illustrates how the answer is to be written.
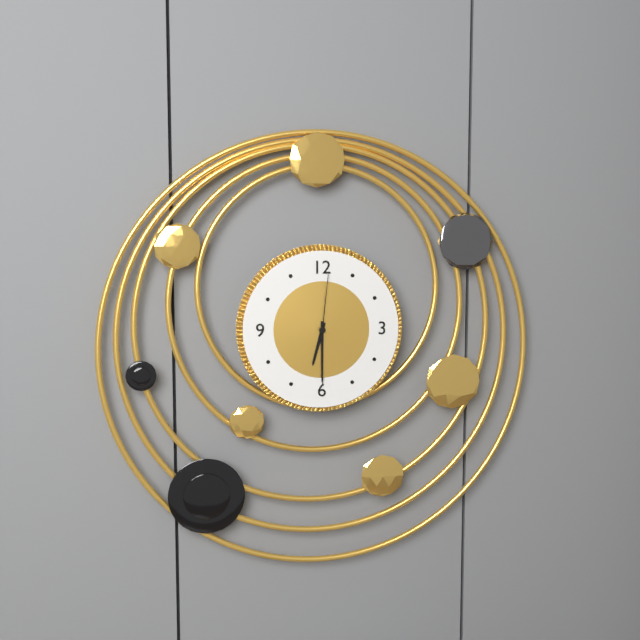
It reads {"hour": 6, "minute": 30, "second": 1}
